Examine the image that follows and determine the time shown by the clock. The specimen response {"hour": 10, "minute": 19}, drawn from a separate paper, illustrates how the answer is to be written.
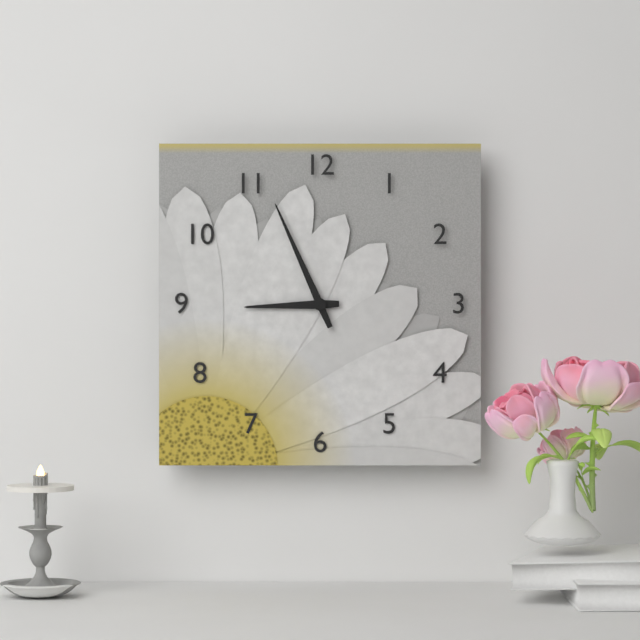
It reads {"hour": 8, "minute": 56}
